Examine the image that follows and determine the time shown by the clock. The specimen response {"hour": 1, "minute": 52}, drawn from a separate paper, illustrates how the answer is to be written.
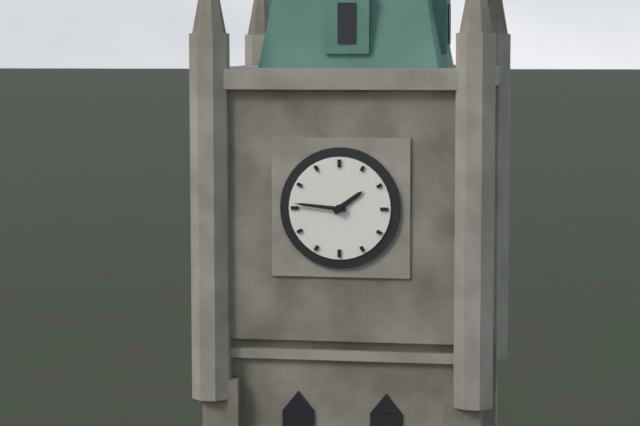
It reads {"hour": 1, "minute": 46}
